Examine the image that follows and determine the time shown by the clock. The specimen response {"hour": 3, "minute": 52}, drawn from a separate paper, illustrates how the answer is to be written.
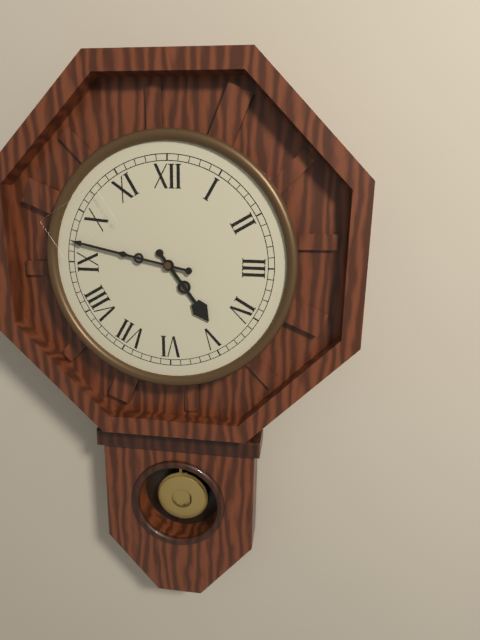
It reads {"hour": 4, "minute": 47}
